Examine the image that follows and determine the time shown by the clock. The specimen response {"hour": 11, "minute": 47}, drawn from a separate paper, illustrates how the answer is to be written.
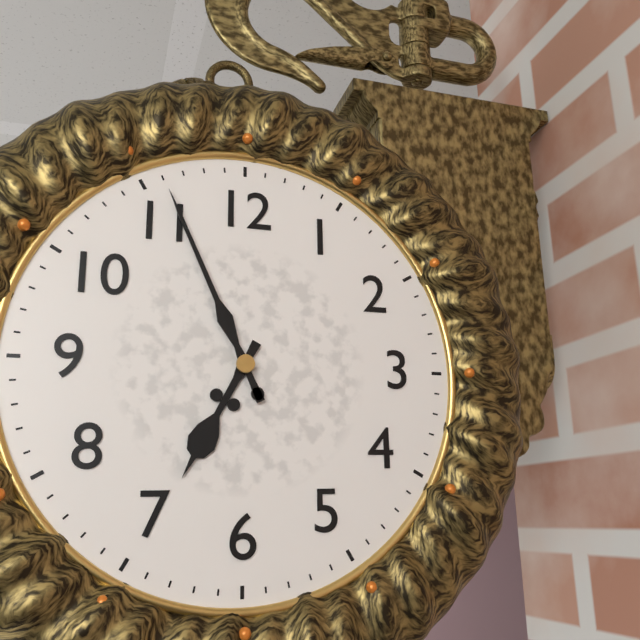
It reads {"hour": 6, "minute": 56}
